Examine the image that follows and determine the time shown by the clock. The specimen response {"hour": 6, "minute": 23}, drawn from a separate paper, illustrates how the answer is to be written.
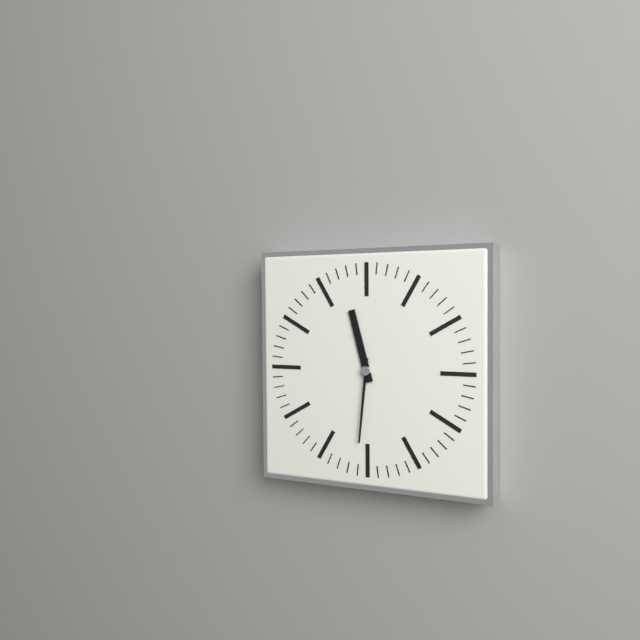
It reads {"hour": 11, "minute": 31}
